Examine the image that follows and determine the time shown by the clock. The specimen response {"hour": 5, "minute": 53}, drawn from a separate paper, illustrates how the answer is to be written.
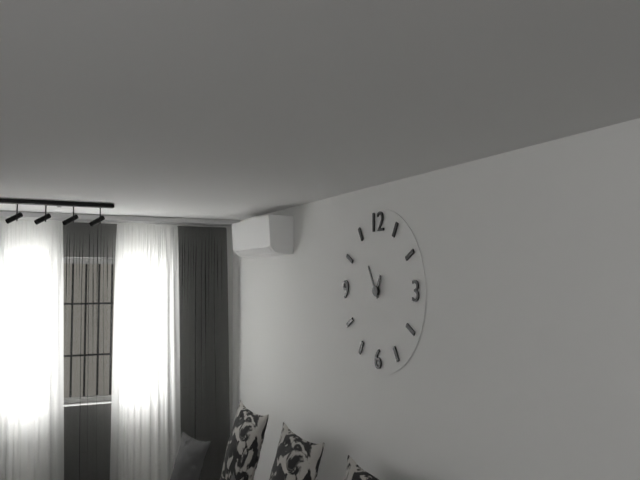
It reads {"hour": 12, "minute": 55}
